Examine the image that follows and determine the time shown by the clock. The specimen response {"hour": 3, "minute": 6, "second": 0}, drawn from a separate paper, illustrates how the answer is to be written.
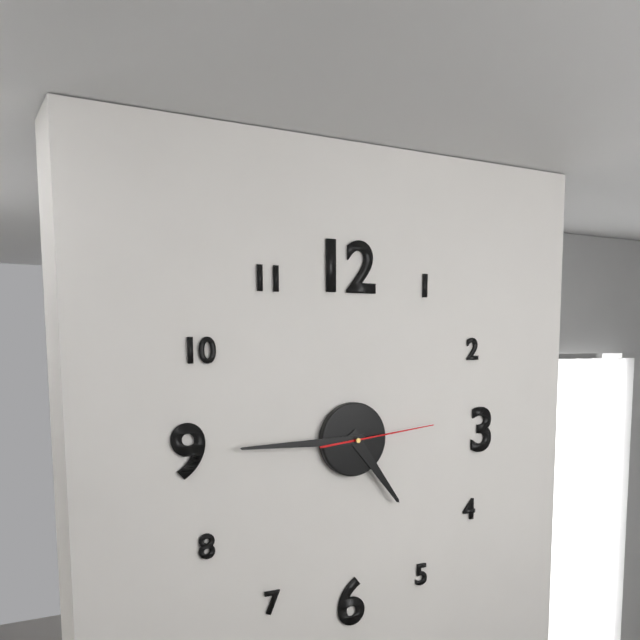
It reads {"hour": 4, "minute": 45, "second": 14}
